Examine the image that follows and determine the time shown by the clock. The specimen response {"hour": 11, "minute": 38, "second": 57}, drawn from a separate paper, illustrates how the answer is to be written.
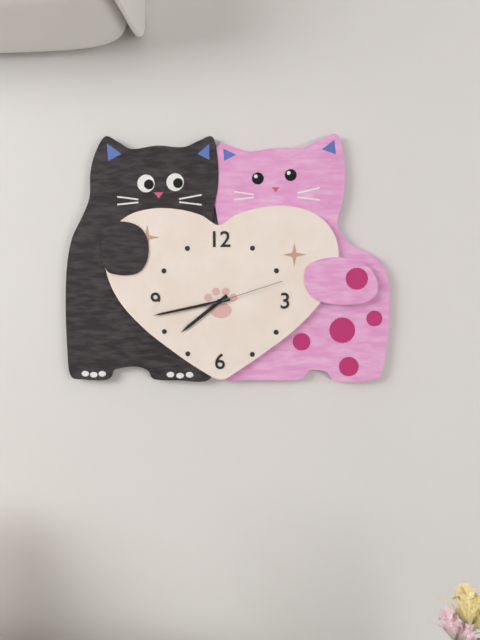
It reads {"hour": 7, "minute": 43, "second": 12}
